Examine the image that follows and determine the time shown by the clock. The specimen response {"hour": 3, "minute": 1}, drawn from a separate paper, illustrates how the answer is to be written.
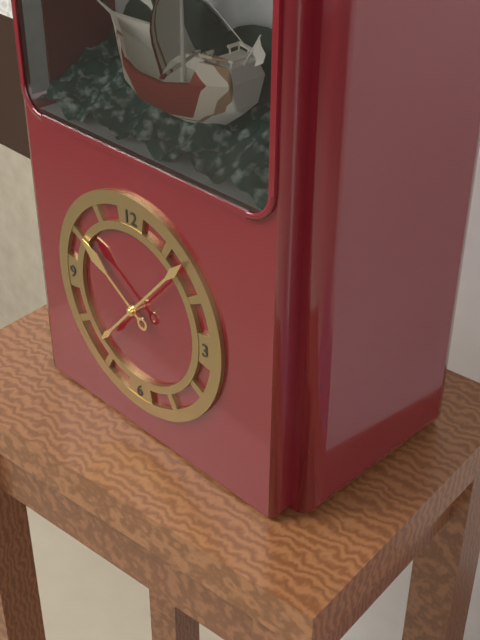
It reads {"hour": 10, "minute": 7}
